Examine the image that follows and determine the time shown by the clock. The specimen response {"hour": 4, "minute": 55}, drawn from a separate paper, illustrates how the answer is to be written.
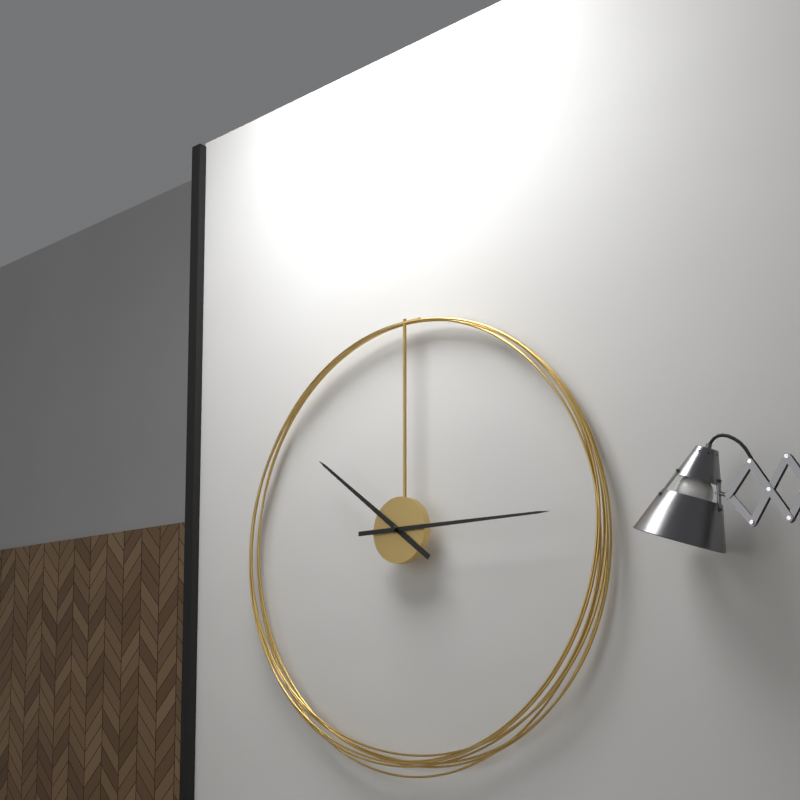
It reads {"hour": 10, "minute": 15}
